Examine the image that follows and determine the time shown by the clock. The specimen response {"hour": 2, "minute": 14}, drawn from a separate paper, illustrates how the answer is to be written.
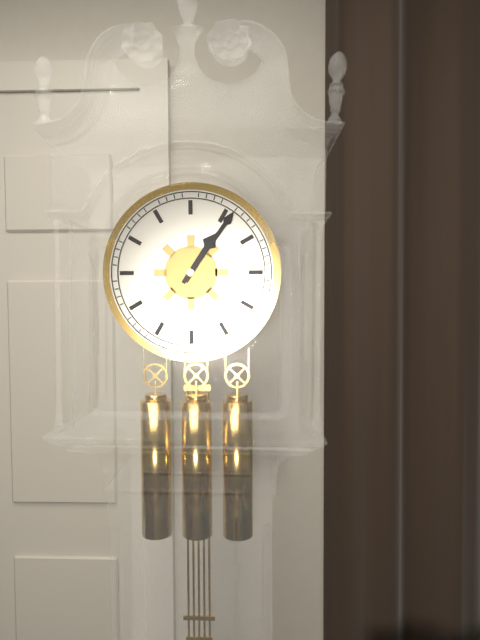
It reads {"hour": 1, "minute": 6}
